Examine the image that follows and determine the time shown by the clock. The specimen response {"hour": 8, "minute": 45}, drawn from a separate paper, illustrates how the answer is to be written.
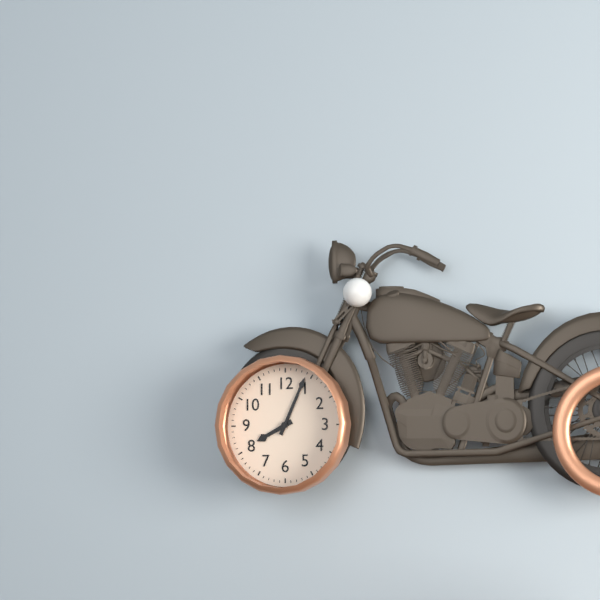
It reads {"hour": 8, "minute": 4}
